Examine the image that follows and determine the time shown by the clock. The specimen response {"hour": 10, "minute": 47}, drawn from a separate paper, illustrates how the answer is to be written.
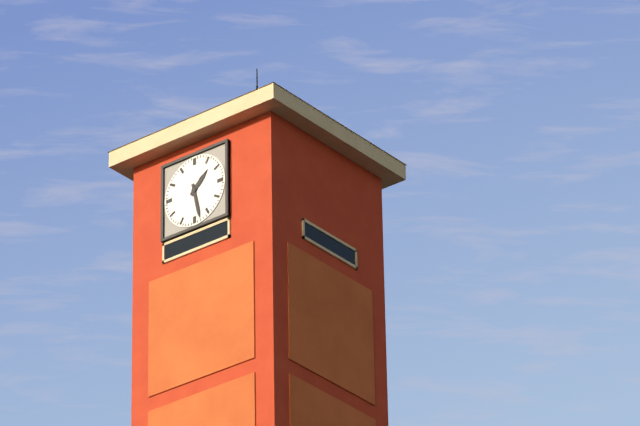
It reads {"hour": 1, "minute": 28}
